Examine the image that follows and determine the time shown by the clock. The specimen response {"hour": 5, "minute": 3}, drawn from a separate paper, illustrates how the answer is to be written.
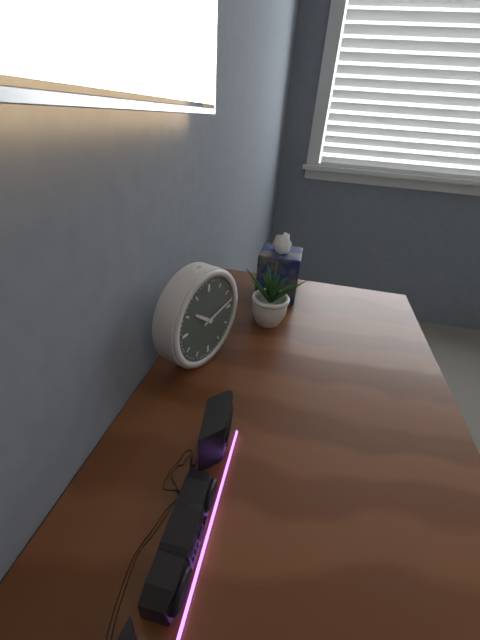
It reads {"hour": 10, "minute": 13}
